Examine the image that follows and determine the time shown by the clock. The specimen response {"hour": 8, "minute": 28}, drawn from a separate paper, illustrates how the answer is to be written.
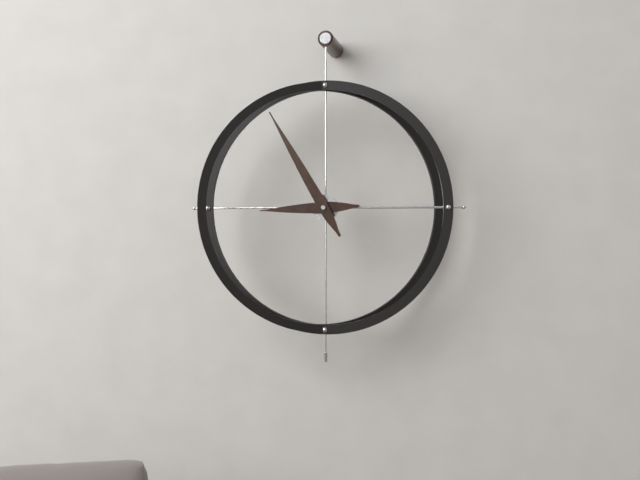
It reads {"hour": 8, "minute": 55}
